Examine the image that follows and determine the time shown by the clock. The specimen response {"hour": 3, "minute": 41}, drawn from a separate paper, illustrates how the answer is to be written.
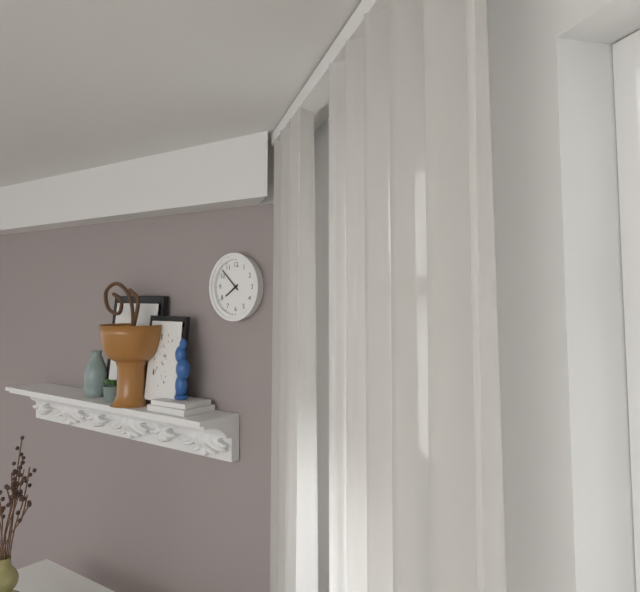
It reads {"hour": 7, "minute": 52}
